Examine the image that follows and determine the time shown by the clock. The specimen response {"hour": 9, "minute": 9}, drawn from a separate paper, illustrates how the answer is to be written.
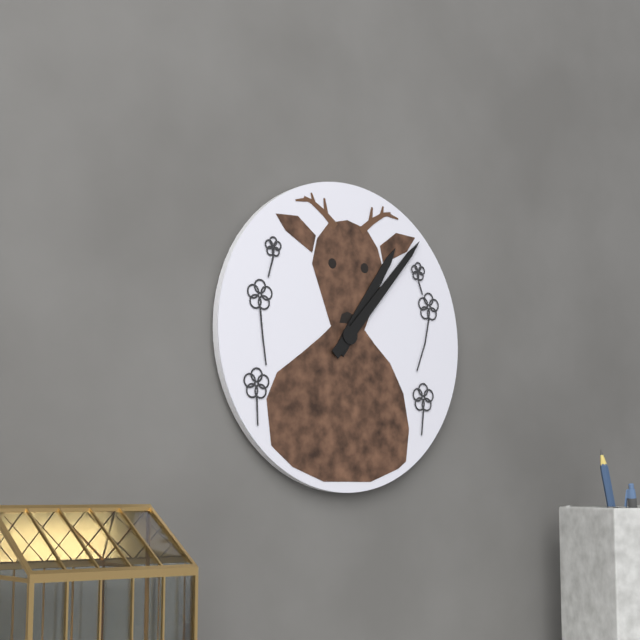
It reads {"hour": 1, "minute": 7}
